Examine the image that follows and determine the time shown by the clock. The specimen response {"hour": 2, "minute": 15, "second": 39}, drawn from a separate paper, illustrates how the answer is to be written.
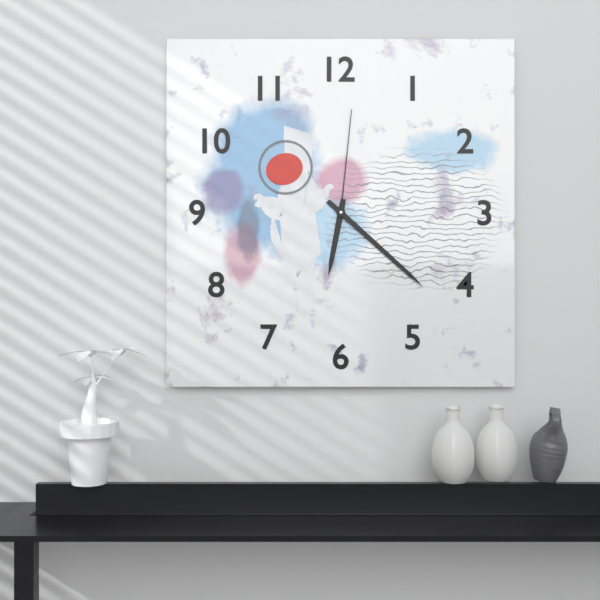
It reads {"hour": 6, "minute": 22, "second": 1}
